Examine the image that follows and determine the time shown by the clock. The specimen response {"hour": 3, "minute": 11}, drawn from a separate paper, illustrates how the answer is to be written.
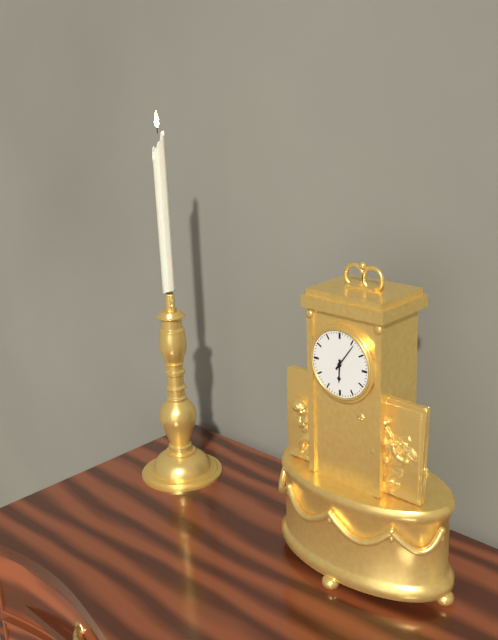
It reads {"hour": 6, "minute": 6}
